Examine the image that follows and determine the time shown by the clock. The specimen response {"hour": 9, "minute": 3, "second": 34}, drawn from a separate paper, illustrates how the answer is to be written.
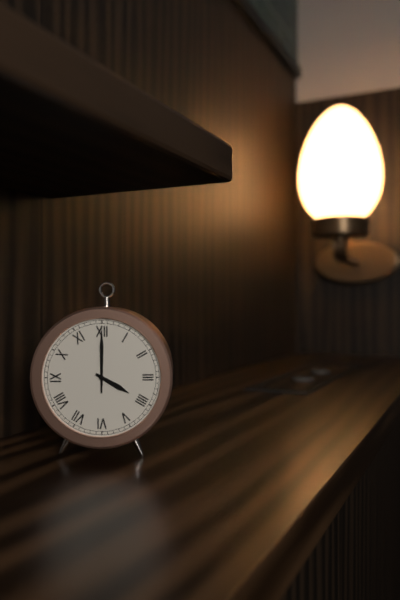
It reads {"hour": 4, "minute": 0, "second": 0}
